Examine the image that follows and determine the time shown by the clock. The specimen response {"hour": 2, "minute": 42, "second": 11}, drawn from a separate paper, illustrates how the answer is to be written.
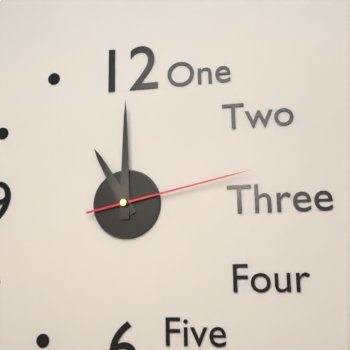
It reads {"hour": 11, "minute": 0, "second": 13}
